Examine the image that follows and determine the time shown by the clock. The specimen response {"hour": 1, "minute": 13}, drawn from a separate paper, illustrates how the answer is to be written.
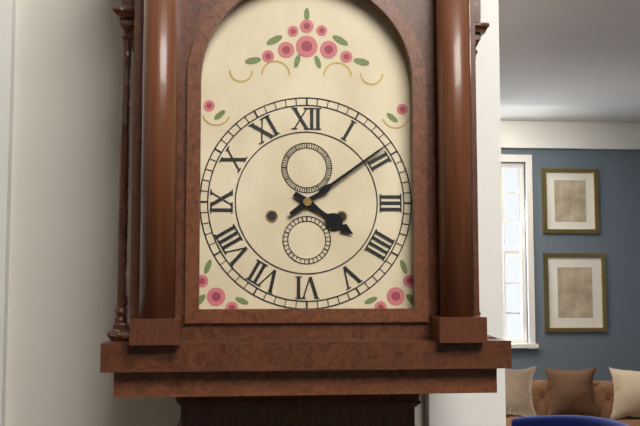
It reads {"hour": 4, "minute": 9}
